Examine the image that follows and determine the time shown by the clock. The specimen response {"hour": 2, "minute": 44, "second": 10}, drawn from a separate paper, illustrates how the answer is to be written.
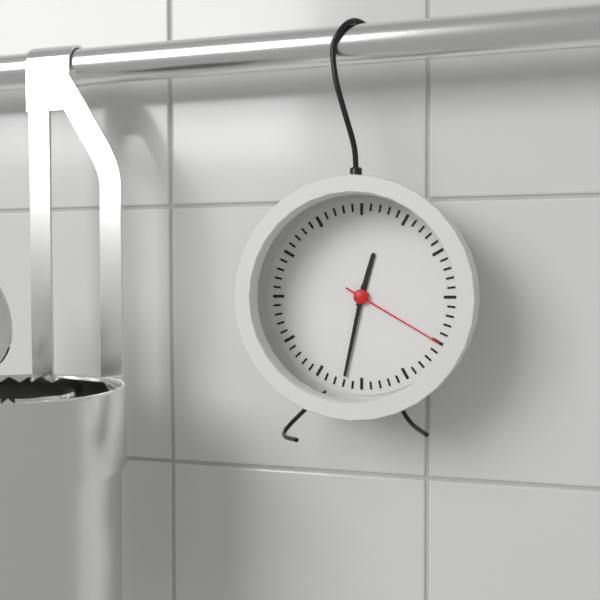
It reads {"hour": 12, "minute": 32, "second": 20}
